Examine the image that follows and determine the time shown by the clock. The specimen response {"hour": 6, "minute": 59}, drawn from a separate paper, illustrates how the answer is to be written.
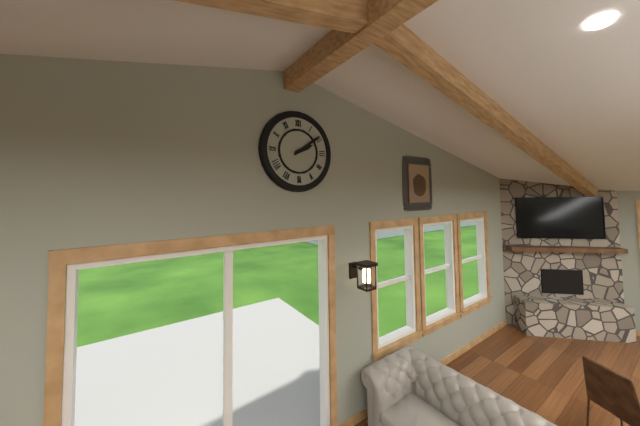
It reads {"hour": 2, "minute": 9}
